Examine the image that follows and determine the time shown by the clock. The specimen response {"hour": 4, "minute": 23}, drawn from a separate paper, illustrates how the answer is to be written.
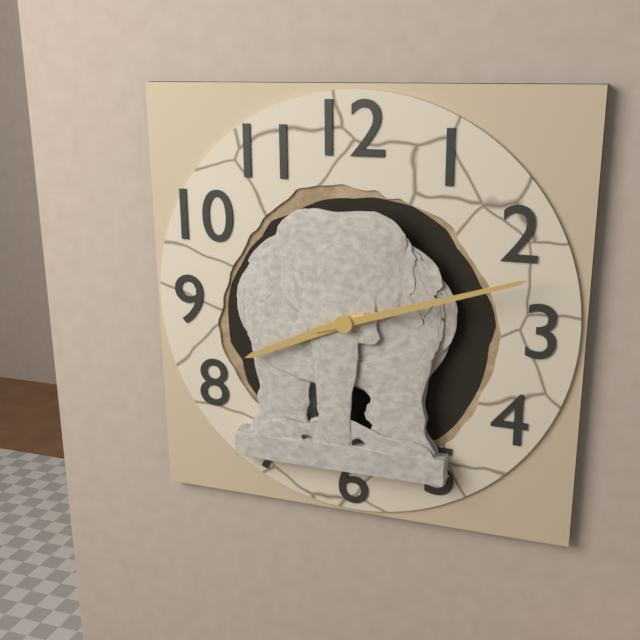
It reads {"hour": 8, "minute": 12}
